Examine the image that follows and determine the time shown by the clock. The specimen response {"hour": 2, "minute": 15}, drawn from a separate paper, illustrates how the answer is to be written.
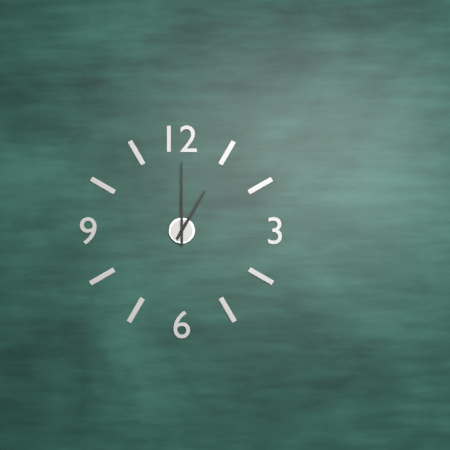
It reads {"hour": 1, "minute": 0}
